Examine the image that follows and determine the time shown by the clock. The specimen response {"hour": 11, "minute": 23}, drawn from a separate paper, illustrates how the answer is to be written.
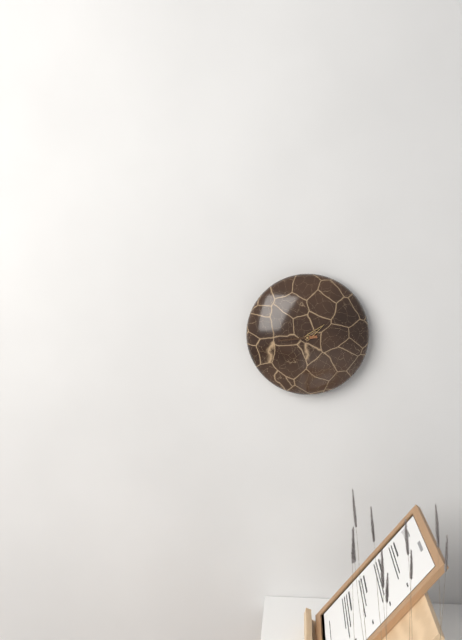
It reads {"hour": 1, "minute": 44}
